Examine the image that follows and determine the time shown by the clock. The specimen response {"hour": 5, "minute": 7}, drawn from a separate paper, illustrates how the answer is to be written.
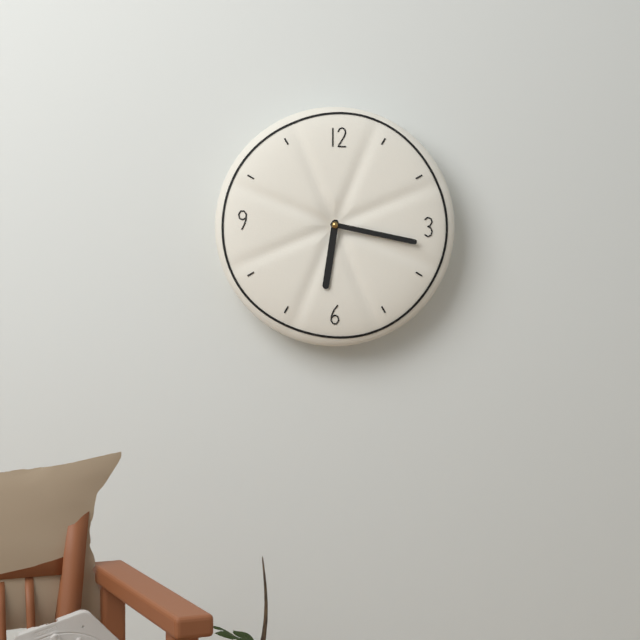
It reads {"hour": 6, "minute": 17}
